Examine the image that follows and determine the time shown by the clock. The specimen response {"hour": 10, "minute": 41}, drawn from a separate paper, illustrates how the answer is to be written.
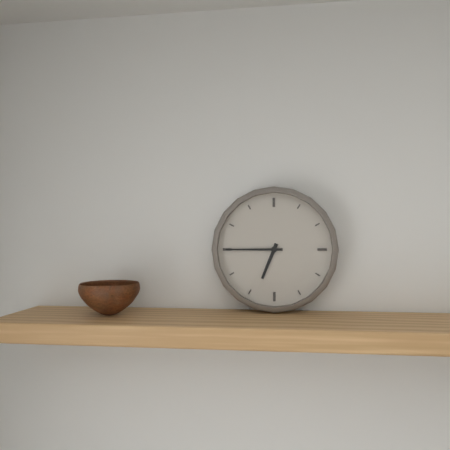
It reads {"hour": 6, "minute": 45}
